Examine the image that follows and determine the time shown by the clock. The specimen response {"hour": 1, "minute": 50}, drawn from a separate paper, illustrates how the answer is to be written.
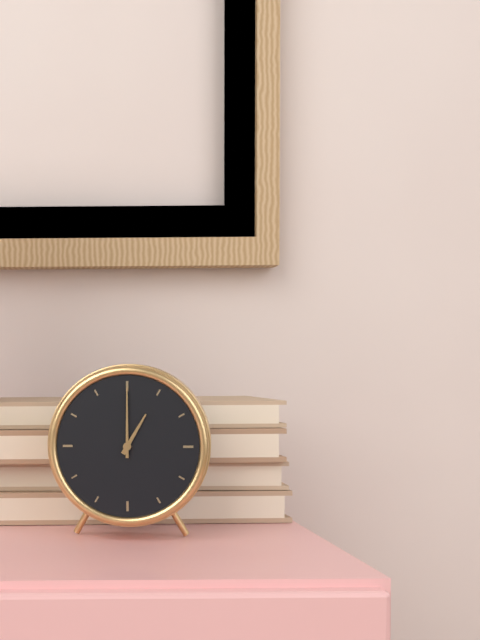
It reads {"hour": 1, "minute": 0}
